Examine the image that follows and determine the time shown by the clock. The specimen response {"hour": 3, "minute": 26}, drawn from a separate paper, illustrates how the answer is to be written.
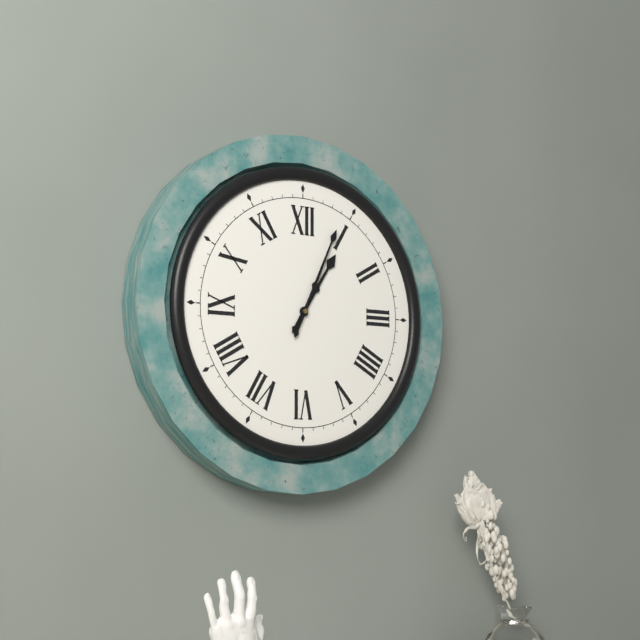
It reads {"hour": 1, "minute": 4}
